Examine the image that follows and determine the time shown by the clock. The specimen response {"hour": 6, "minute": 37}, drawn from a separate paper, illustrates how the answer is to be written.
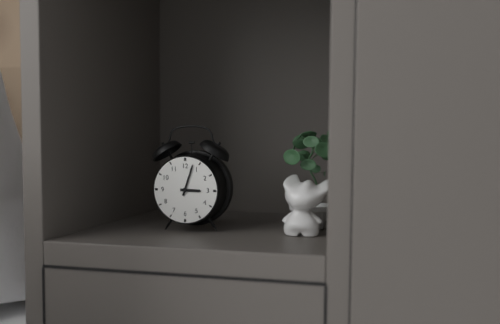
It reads {"hour": 3, "minute": 3}
